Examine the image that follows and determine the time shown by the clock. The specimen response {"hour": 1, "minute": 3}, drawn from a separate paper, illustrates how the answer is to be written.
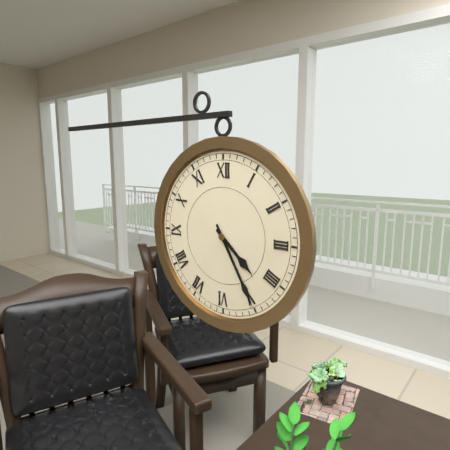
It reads {"hour": 4, "minute": 25}
